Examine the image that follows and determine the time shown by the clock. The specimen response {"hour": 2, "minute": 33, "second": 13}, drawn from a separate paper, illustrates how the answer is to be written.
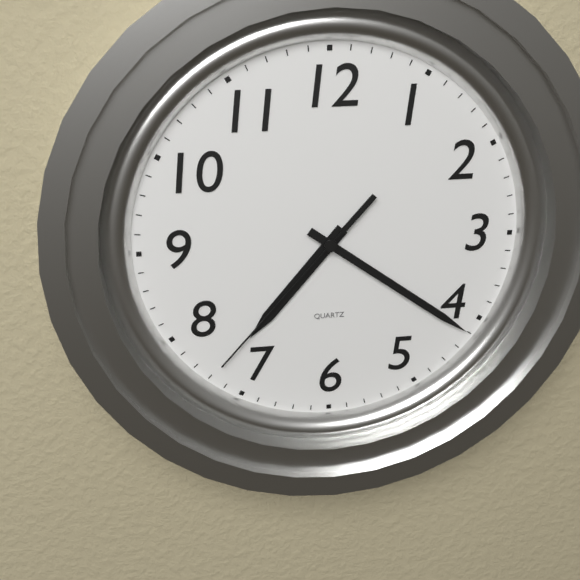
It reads {"hour": 7, "minute": 21, "second": 37}
